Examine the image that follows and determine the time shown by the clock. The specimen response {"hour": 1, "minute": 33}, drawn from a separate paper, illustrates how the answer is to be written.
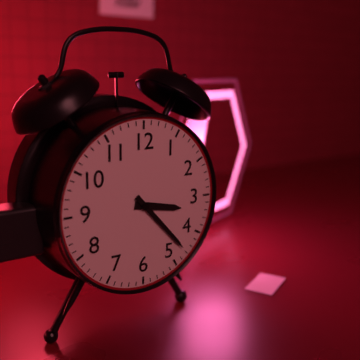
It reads {"hour": 3, "minute": 23}
